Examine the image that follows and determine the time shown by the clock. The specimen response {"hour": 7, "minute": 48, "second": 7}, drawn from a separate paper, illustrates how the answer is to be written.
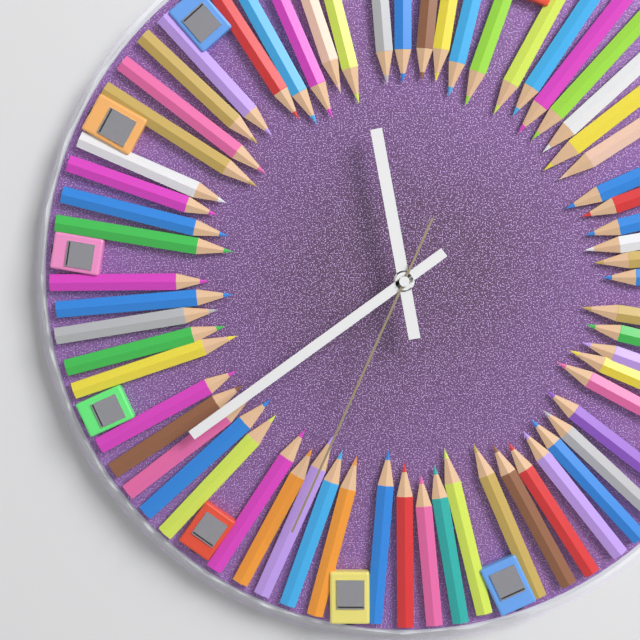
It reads {"hour": 11, "minute": 39, "second": 34}
